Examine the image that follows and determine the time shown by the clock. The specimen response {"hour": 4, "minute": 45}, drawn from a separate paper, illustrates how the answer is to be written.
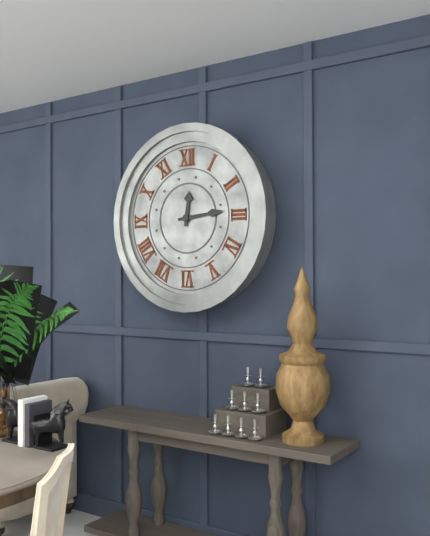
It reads {"hour": 12, "minute": 14}
